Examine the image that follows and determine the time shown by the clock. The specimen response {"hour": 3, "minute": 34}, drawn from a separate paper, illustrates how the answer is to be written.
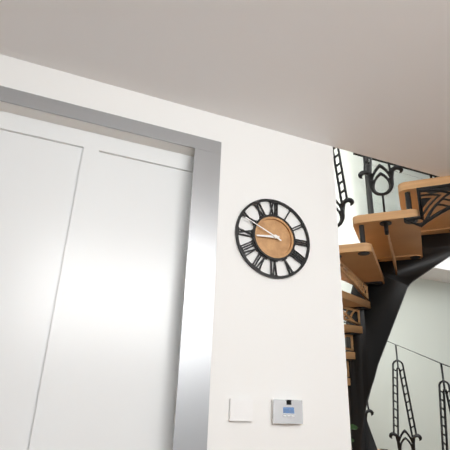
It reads {"hour": 8, "minute": 49}
